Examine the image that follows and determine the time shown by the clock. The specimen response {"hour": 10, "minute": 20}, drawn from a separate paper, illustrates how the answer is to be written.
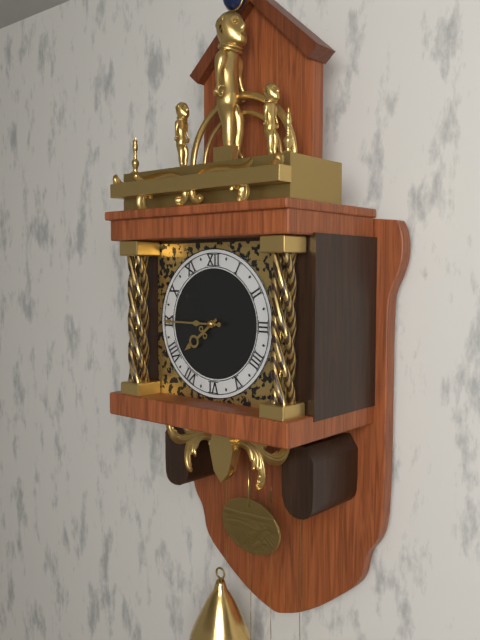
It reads {"hour": 7, "minute": 45}
